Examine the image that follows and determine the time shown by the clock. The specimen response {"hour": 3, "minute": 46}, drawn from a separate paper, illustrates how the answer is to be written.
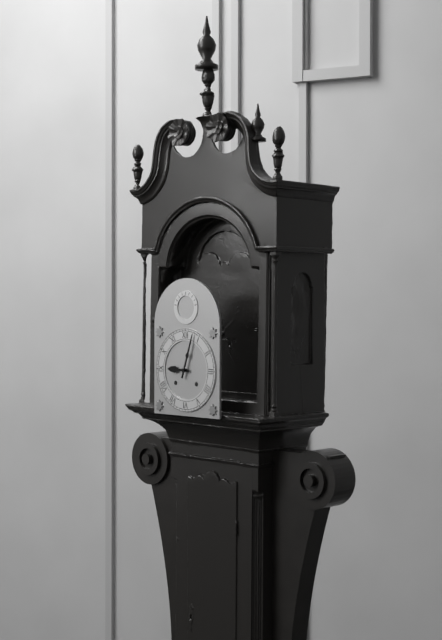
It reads {"hour": 9, "minute": 3}
